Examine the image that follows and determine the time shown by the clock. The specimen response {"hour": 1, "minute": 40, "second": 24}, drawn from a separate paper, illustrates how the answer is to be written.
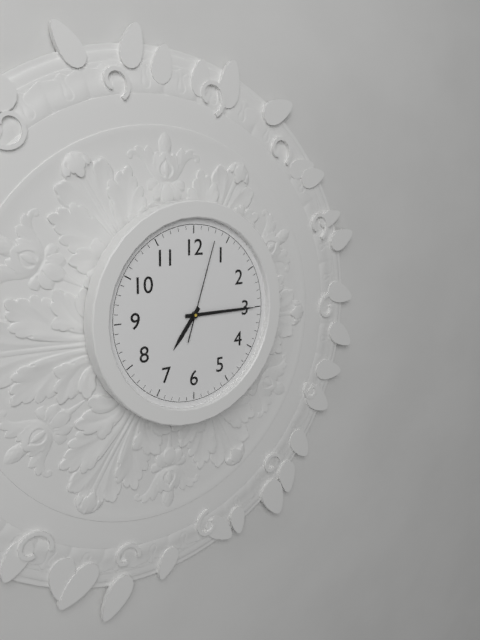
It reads {"hour": 7, "minute": 15, "second": 3}
